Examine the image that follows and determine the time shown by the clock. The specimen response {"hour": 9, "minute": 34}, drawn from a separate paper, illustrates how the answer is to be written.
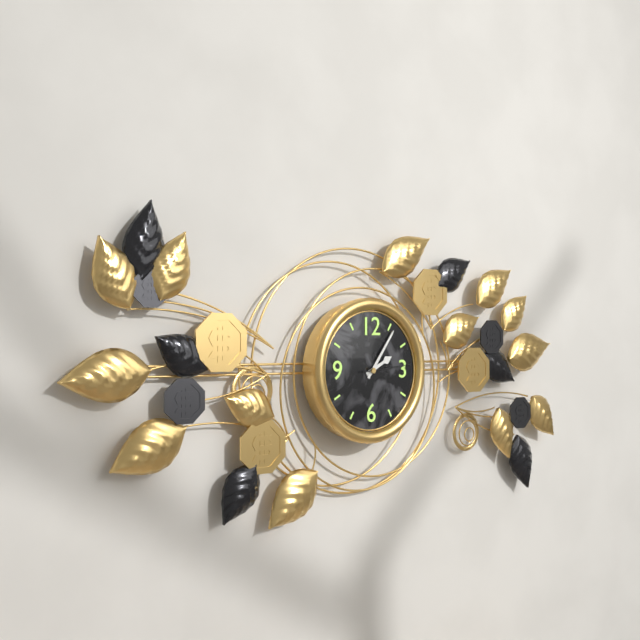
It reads {"hour": 2, "minute": 6}
